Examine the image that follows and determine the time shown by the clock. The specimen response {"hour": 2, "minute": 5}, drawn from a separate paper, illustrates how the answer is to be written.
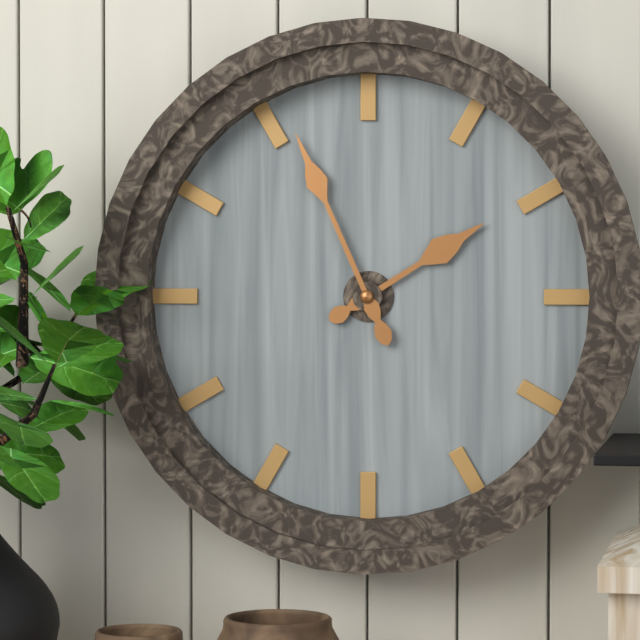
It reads {"hour": 1, "minute": 56}
